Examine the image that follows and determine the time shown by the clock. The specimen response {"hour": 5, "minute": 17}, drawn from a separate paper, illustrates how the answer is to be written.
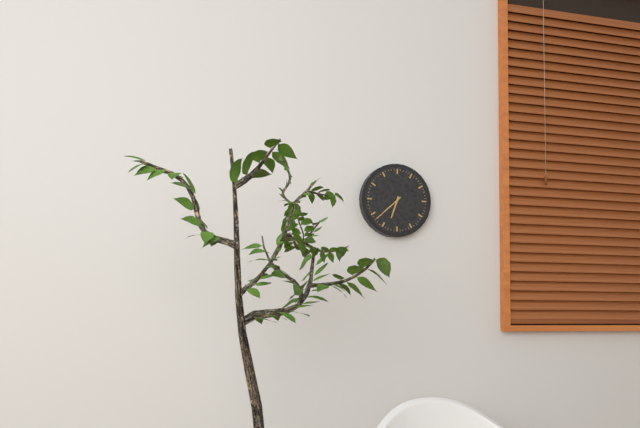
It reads {"hour": 6, "minute": 38}
